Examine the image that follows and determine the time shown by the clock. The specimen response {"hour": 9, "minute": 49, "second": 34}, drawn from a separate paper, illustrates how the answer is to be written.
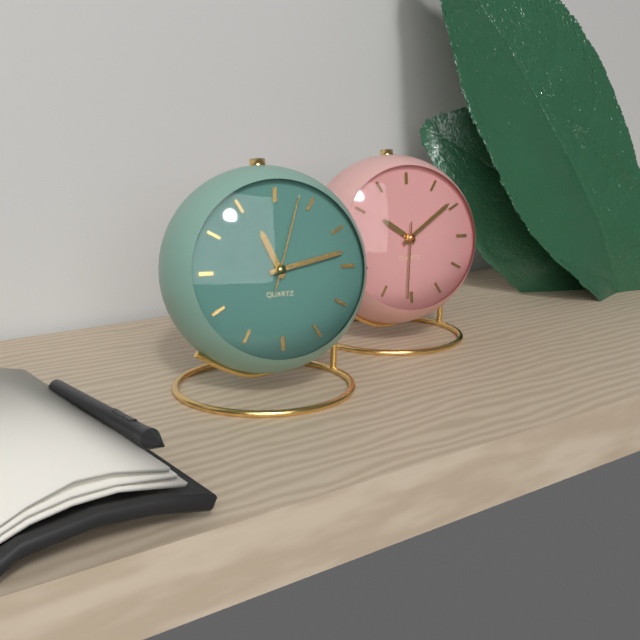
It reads {"hour": 11, "minute": 13, "second": 3}
